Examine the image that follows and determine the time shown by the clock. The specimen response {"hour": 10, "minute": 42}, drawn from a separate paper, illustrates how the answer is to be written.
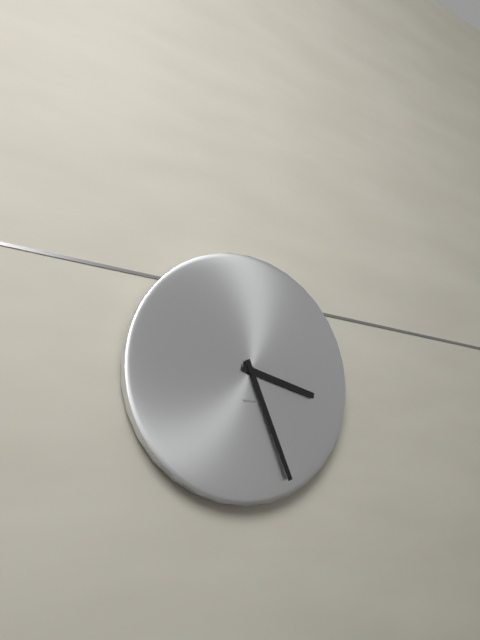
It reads {"hour": 3, "minute": 26}
